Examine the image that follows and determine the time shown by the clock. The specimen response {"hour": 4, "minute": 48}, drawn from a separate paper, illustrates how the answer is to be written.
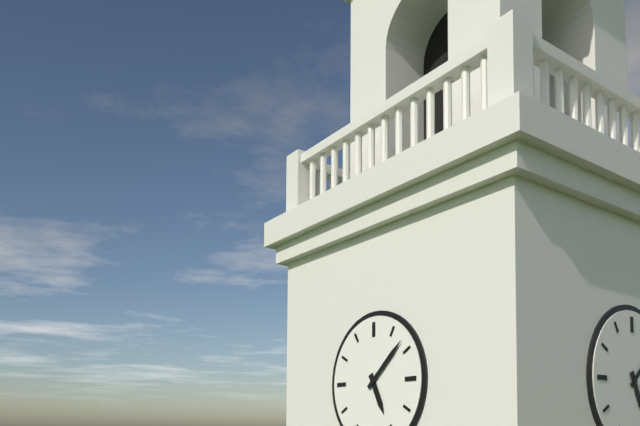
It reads {"hour": 5, "minute": 8}
